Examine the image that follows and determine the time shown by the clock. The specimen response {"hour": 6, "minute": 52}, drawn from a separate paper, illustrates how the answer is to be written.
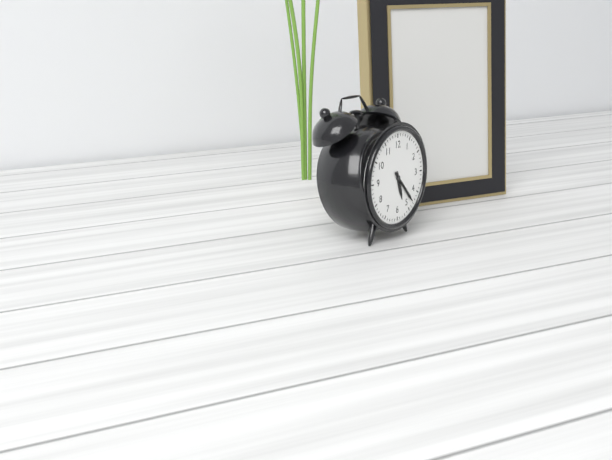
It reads {"hour": 5, "minute": 23}
